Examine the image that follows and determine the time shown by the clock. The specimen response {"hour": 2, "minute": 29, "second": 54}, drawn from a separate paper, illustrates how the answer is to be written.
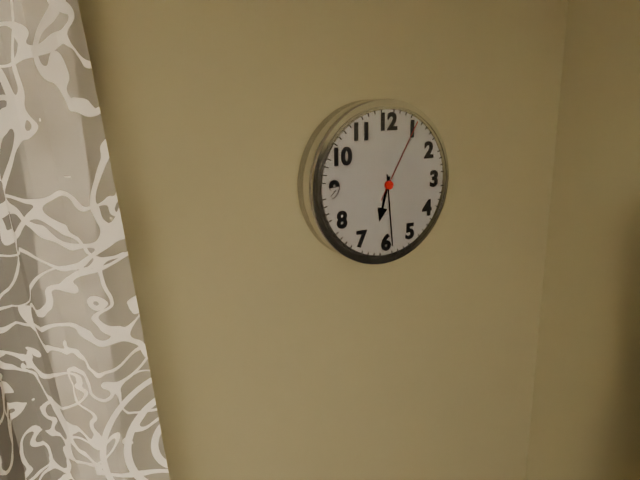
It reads {"hour": 6, "minute": 29, "second": 5}
